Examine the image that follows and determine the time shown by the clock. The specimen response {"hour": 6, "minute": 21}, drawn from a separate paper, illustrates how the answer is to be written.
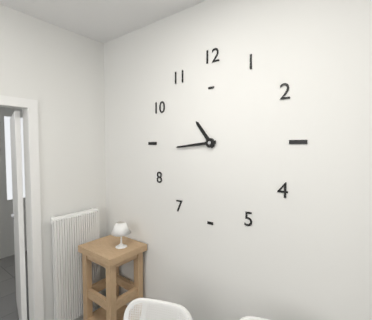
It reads {"hour": 10, "minute": 44}
